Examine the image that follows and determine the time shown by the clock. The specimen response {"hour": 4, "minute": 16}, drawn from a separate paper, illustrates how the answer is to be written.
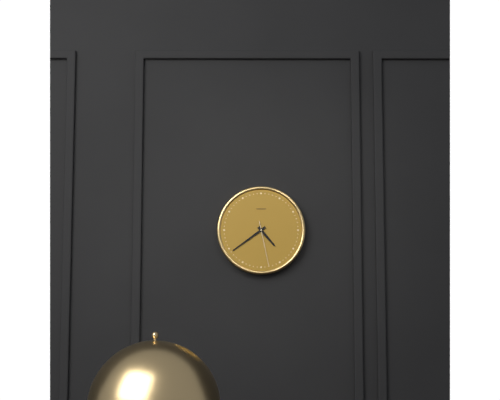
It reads {"hour": 4, "minute": 39}
